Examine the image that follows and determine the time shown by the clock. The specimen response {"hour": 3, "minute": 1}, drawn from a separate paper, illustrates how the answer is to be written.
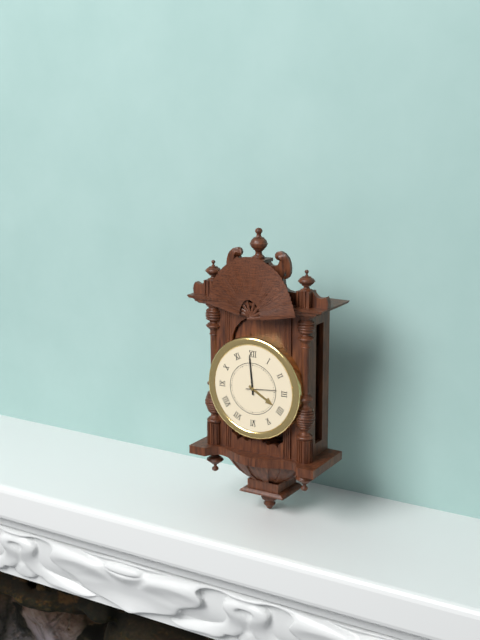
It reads {"hour": 3, "minute": 59}
